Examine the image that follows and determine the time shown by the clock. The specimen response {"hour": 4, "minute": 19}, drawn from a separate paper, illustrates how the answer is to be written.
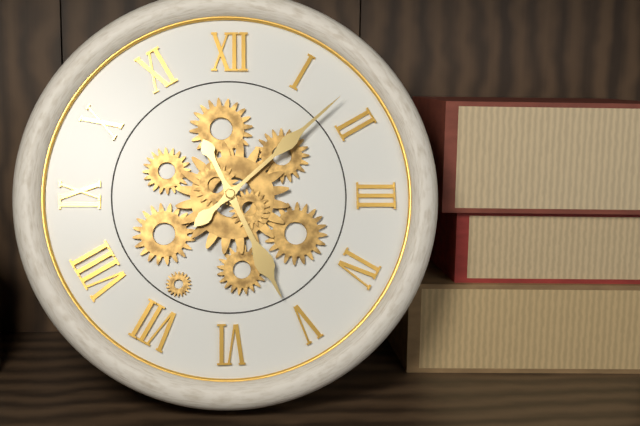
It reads {"hour": 5, "minute": 8}
